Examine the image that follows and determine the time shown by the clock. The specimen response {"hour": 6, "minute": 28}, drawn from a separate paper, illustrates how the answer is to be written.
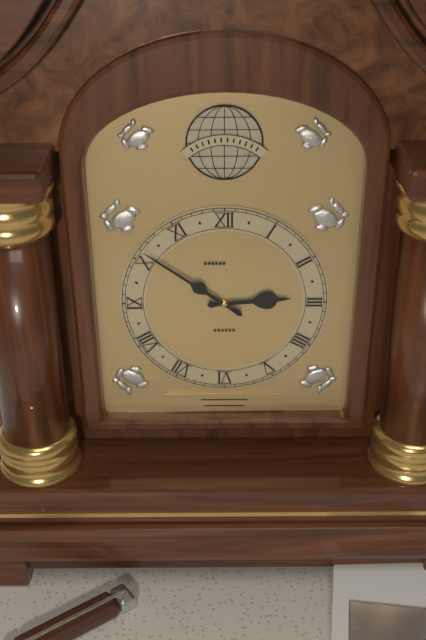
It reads {"hour": 2, "minute": 51}
